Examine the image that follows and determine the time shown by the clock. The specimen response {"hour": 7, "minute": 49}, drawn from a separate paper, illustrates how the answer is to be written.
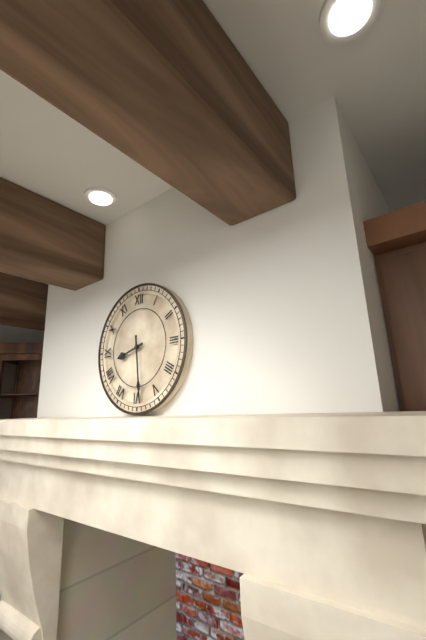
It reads {"hour": 8, "minute": 29}
